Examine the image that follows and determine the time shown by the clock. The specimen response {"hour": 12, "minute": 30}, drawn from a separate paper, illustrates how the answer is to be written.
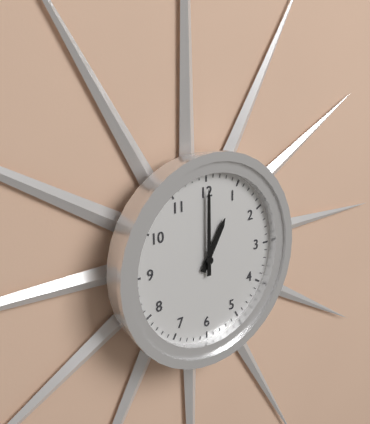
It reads {"hour": 1, "minute": 0}
